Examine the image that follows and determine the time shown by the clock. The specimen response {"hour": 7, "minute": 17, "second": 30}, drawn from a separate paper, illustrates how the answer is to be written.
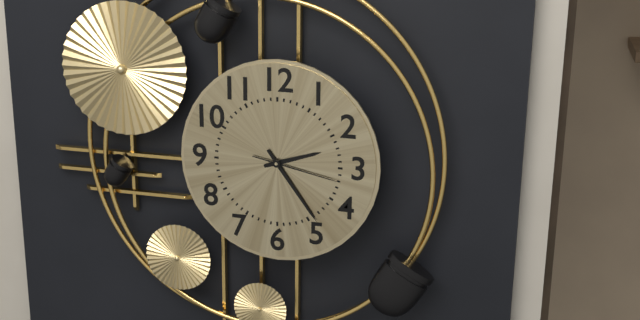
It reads {"hour": 2, "minute": 24, "second": 17}
